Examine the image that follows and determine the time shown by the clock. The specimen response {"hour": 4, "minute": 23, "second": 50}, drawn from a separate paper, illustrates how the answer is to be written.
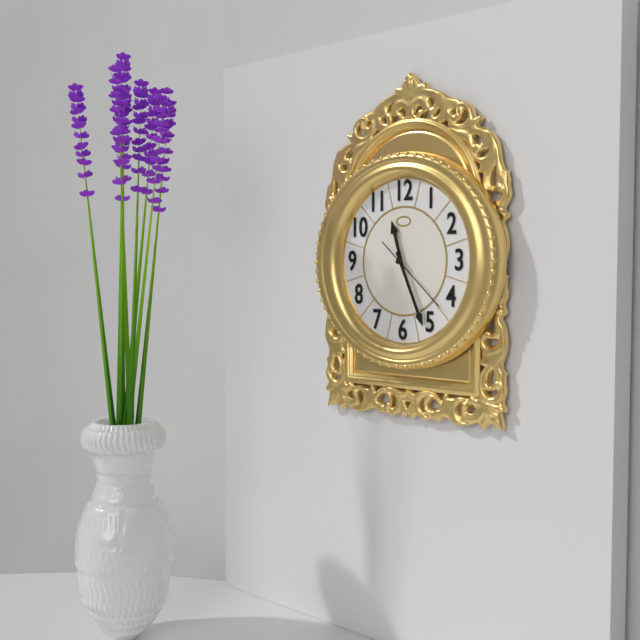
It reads {"hour": 11, "minute": 26, "second": 22}
